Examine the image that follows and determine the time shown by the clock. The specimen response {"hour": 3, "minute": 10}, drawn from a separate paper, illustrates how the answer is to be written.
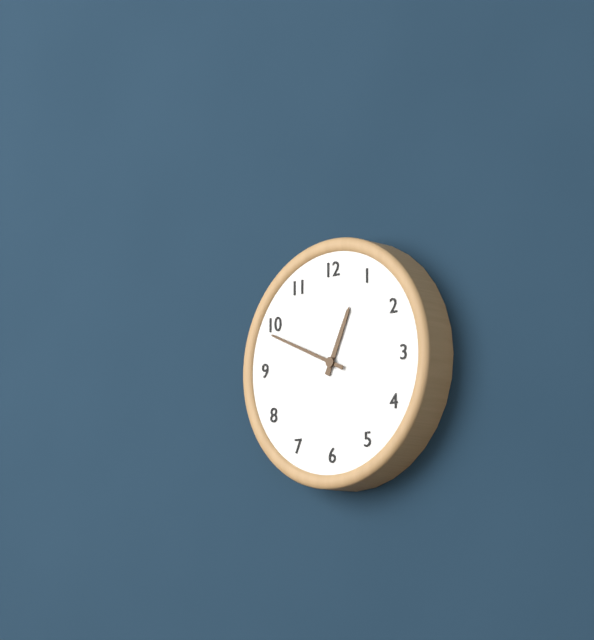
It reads {"hour": 12, "minute": 49}
